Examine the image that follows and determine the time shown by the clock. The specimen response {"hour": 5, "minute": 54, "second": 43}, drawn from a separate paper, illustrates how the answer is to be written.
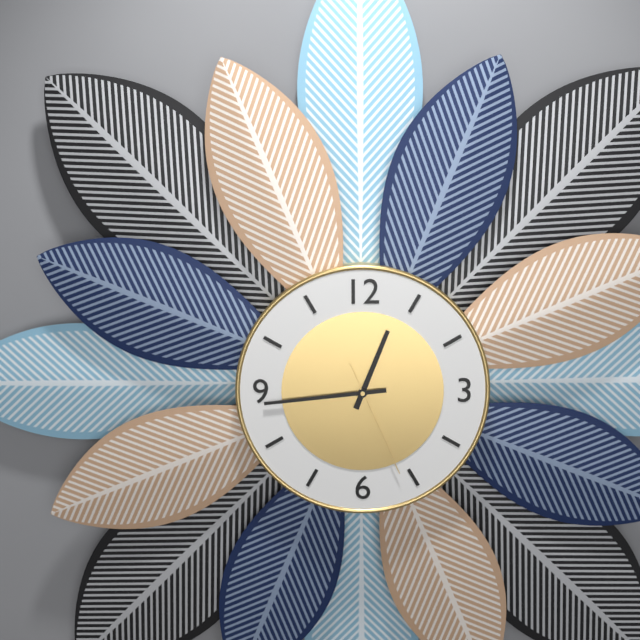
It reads {"hour": 12, "minute": 44, "second": 26}
